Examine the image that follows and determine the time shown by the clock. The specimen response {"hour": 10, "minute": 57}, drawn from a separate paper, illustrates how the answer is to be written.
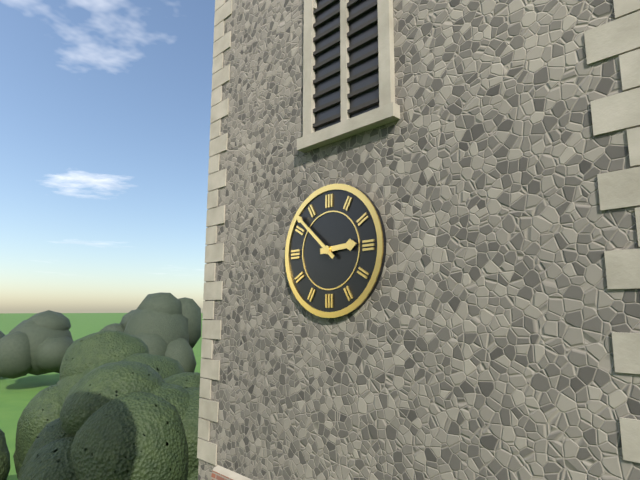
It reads {"hour": 2, "minute": 52}
